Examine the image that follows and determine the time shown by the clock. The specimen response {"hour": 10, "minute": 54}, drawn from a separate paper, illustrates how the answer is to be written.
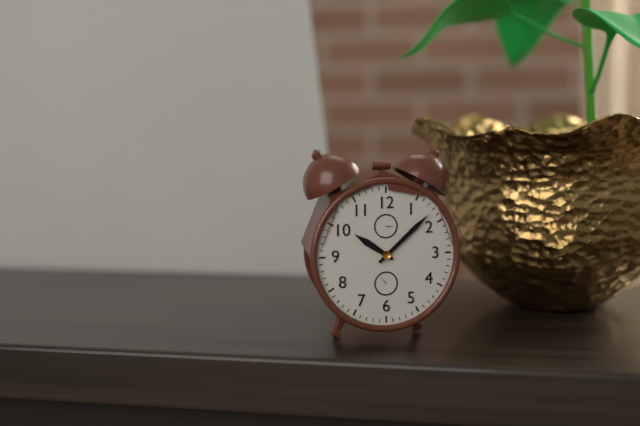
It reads {"hour": 10, "minute": 8}
